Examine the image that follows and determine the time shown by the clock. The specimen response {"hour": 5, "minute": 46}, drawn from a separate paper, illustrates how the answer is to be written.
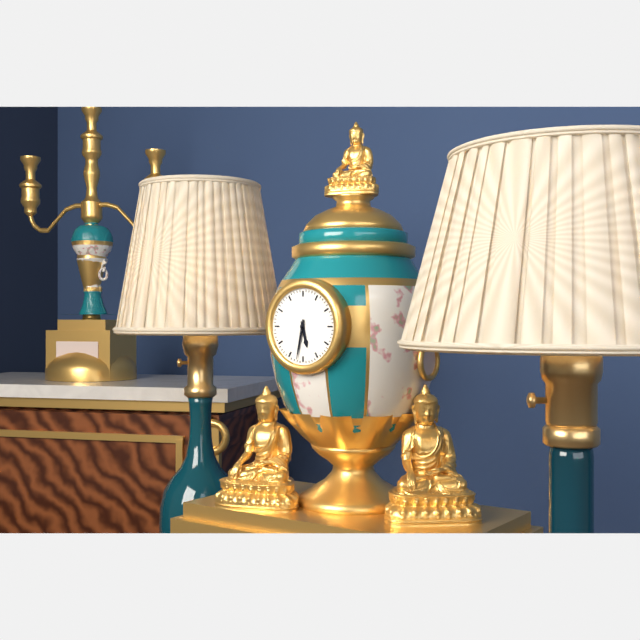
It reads {"hour": 5, "minute": 32}
